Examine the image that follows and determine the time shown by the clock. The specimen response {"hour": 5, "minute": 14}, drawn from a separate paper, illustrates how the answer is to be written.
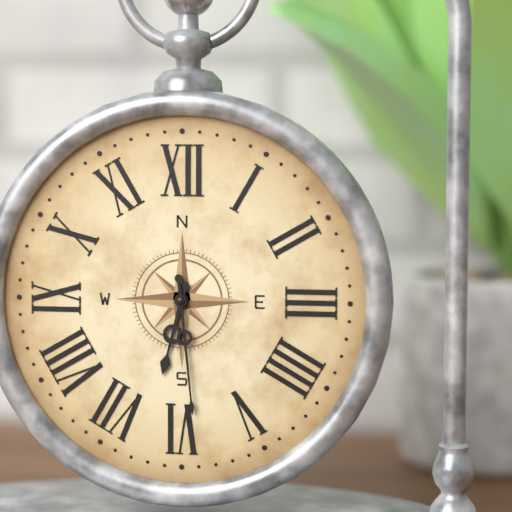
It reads {"hour": 6, "minute": 29}
